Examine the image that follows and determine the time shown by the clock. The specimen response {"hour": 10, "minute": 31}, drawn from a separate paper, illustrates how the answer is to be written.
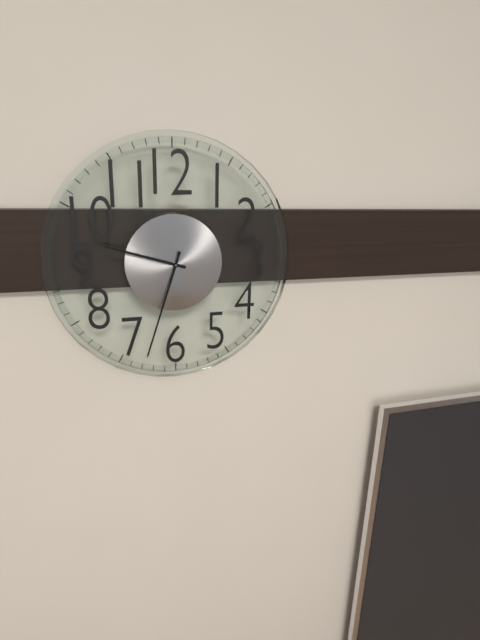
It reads {"hour": 9, "minute": 33}
